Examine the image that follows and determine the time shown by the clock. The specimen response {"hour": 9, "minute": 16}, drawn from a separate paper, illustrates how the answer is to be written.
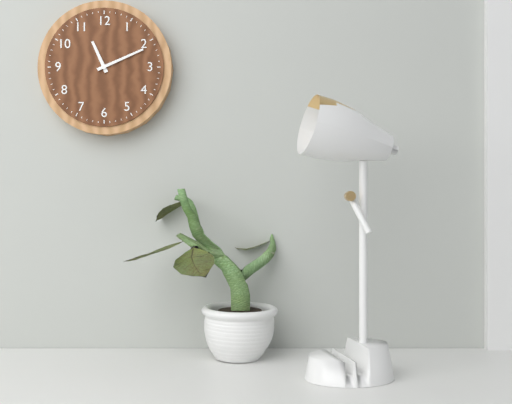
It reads {"hour": 11, "minute": 11}
